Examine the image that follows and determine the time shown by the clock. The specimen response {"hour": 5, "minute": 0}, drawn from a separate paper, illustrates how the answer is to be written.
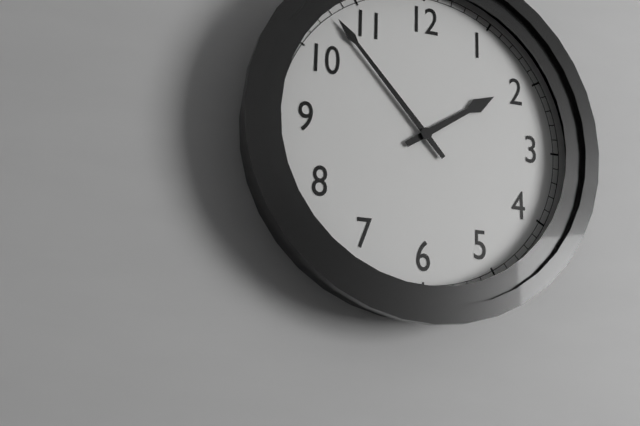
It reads {"hour": 1, "minute": 53}
